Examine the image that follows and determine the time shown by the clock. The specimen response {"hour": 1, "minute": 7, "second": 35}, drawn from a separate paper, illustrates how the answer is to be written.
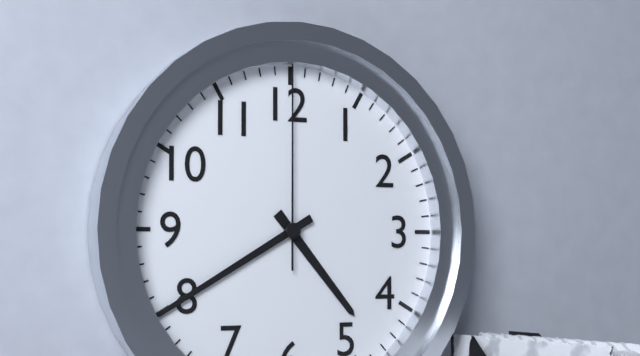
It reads {"hour": 4, "minute": 40, "second": 0}
